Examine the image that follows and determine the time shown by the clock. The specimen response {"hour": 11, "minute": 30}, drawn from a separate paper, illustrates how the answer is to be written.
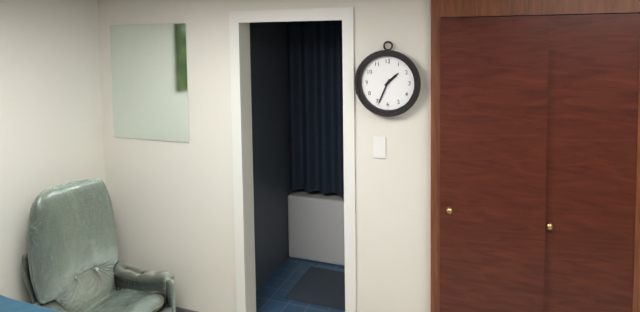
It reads {"hour": 1, "minute": 34}
